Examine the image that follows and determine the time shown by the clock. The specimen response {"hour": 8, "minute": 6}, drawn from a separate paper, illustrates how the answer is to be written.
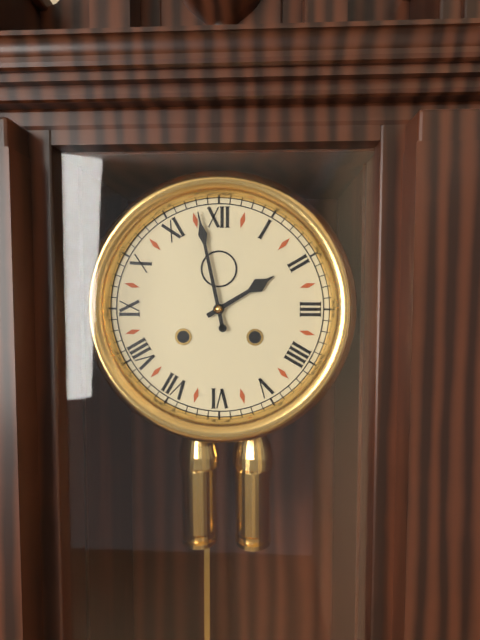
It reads {"hour": 1, "minute": 58}
